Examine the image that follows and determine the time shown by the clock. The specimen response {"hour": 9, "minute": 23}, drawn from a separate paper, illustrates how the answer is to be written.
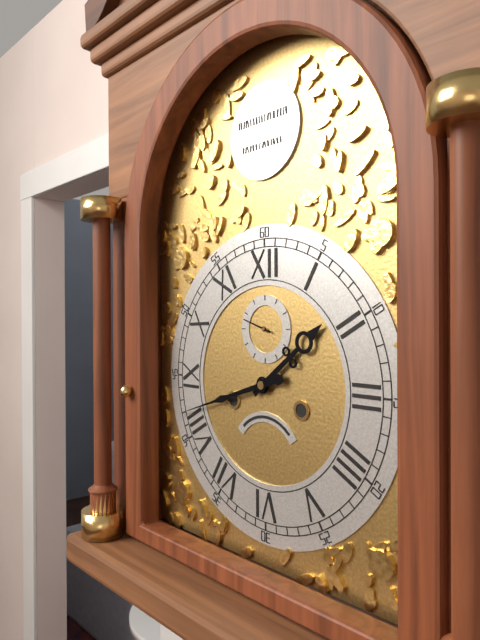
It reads {"hour": 1, "minute": 42}
